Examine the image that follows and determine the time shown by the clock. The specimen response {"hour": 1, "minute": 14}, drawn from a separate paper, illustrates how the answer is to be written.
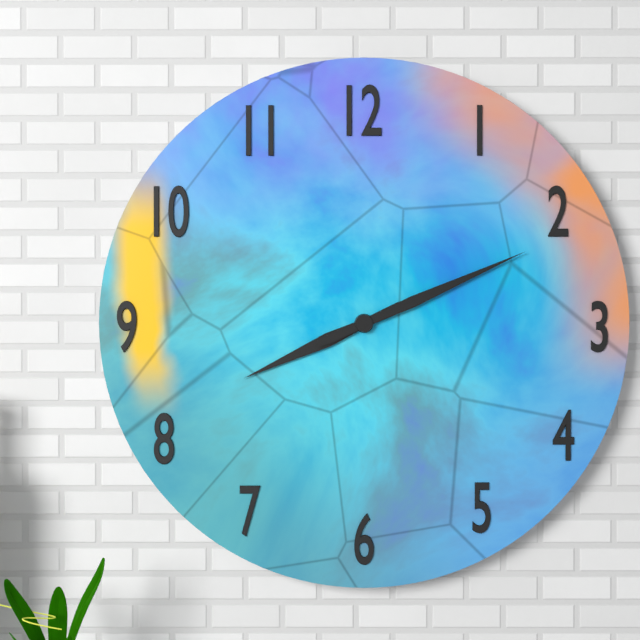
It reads {"hour": 8, "minute": 11}
